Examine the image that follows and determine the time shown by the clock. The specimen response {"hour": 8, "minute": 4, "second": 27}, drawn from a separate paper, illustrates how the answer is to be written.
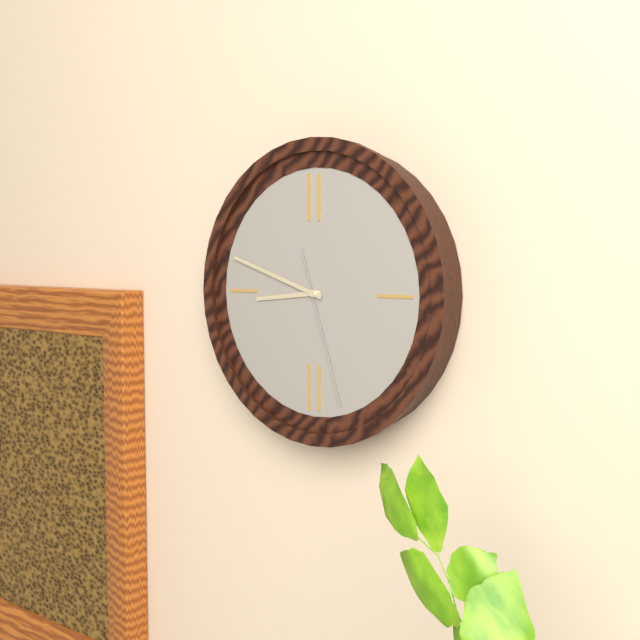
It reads {"hour": 8, "minute": 48, "second": 27}
